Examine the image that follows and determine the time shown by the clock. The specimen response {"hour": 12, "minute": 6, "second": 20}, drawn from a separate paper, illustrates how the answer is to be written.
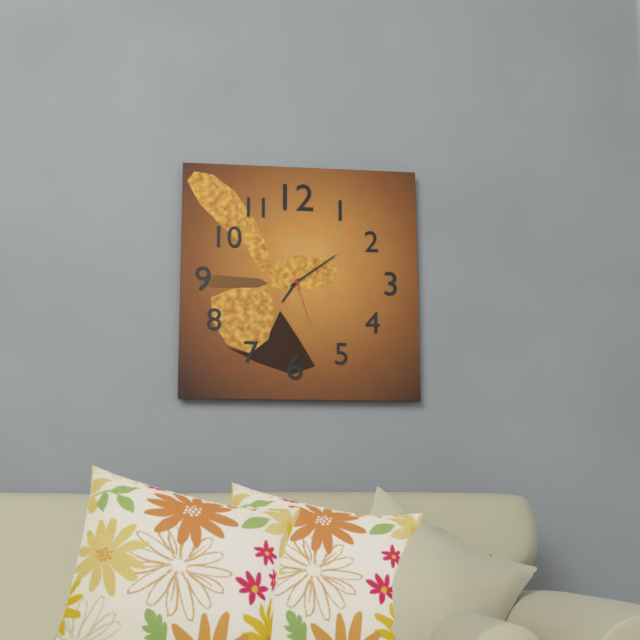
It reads {"hour": 7, "minute": 9, "second": 27}
